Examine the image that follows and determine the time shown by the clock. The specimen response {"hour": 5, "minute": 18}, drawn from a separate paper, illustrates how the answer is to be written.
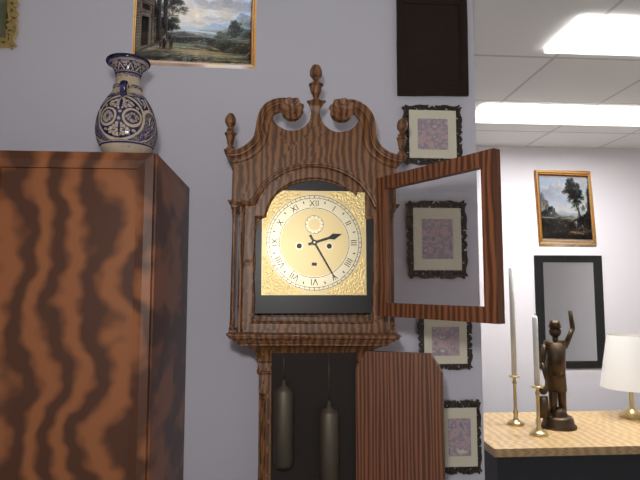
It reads {"hour": 2, "minute": 25}
